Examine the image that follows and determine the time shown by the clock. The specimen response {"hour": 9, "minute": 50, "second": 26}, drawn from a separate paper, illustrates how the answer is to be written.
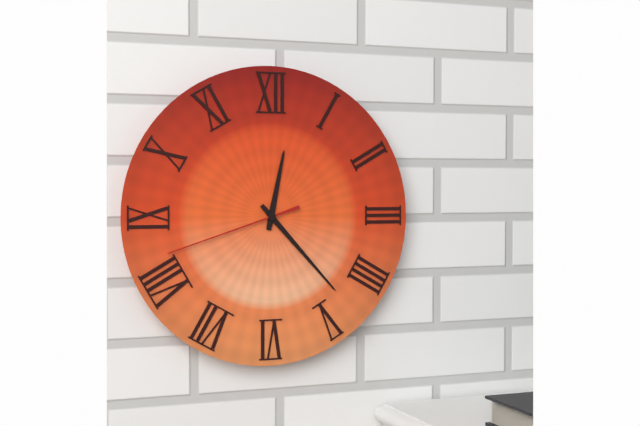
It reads {"hour": 12, "minute": 23, "second": 42}
